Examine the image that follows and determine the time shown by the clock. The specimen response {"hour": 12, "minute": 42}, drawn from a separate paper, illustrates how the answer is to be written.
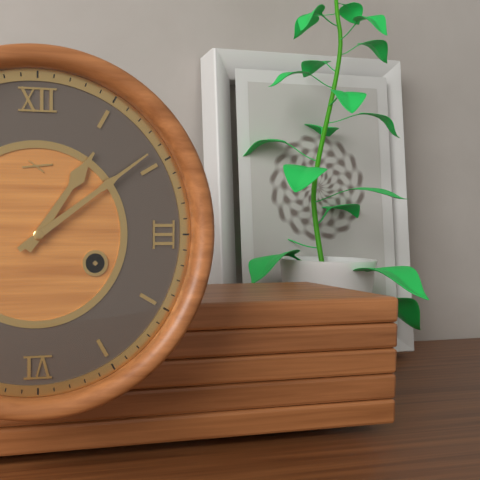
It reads {"hour": 1, "minute": 9}
